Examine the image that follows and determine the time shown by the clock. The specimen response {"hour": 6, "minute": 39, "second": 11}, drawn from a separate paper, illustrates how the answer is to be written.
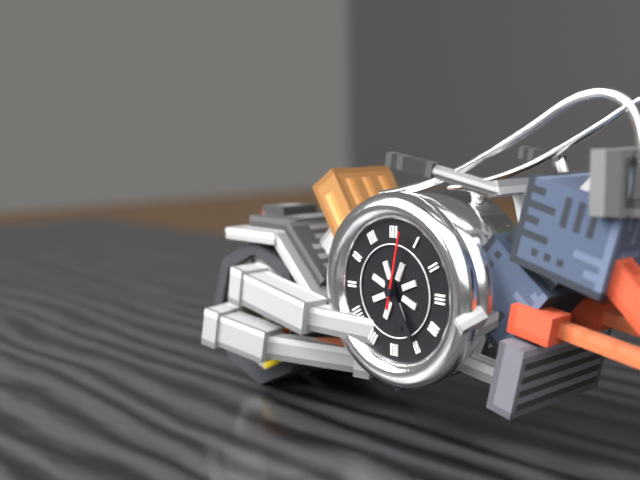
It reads {"hour": 5, "minute": 25, "second": 2}
